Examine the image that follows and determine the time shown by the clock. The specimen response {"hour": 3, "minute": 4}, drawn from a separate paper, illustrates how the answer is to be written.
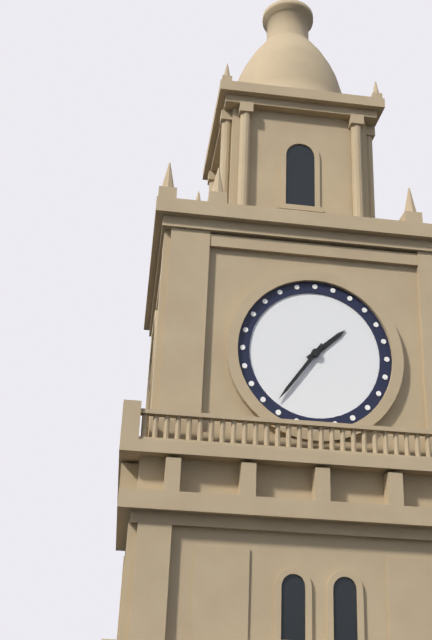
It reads {"hour": 1, "minute": 36}
